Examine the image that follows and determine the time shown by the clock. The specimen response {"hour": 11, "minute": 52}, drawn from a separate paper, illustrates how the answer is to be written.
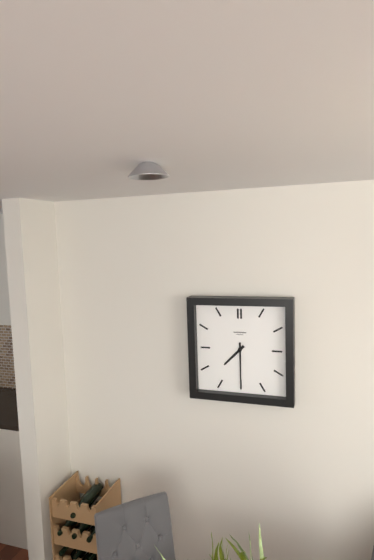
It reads {"hour": 7, "minute": 30}
